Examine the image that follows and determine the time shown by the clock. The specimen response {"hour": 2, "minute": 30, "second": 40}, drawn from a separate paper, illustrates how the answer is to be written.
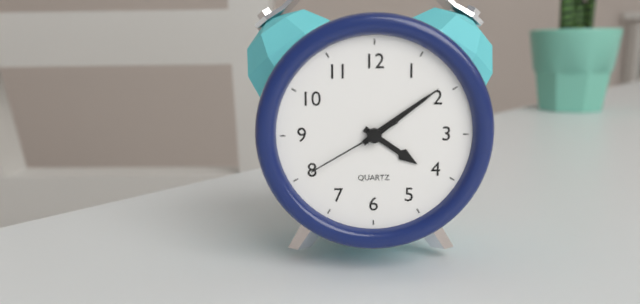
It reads {"hour": 4, "minute": 9, "second": 40}
